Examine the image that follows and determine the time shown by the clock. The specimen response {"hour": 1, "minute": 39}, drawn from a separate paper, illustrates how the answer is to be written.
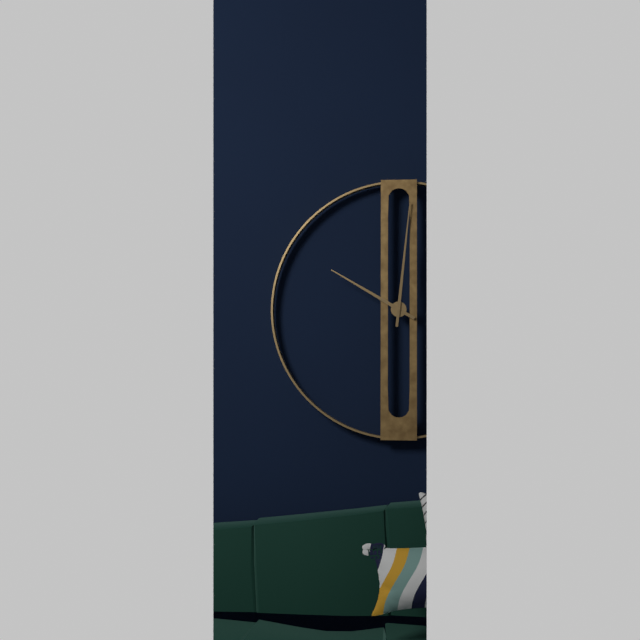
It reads {"hour": 10, "minute": 1}
